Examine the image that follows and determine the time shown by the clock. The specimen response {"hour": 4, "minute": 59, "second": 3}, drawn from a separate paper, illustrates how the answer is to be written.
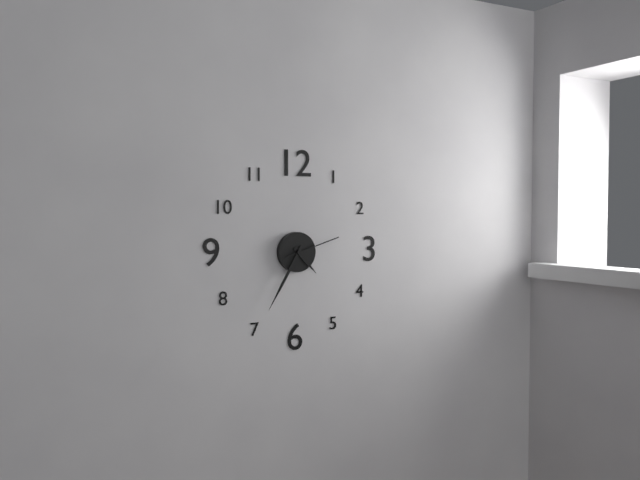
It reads {"hour": 4, "minute": 35, "second": 12}
